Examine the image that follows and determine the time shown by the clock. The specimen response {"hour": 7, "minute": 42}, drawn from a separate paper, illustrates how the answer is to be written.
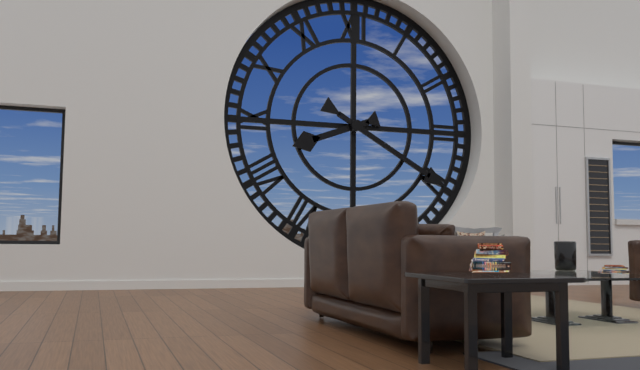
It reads {"hour": 8, "minute": 20}
